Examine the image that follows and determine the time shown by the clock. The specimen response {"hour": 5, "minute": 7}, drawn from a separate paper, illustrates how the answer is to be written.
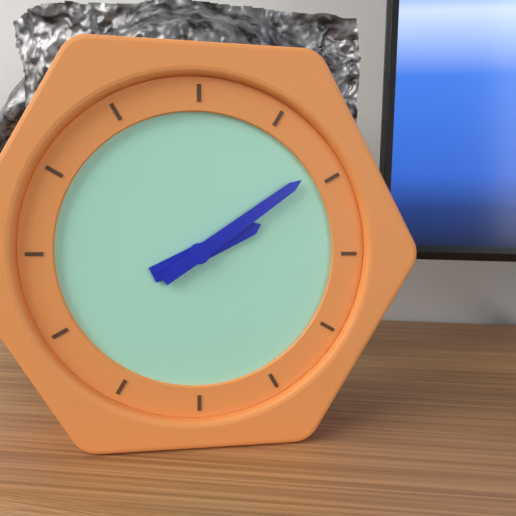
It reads {"hour": 2, "minute": 9}
